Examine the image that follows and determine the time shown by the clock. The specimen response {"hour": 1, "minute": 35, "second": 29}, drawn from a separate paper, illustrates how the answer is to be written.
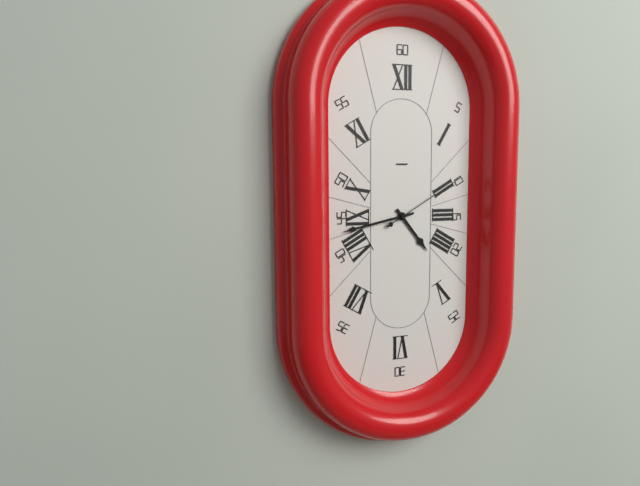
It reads {"hour": 4, "minute": 43, "second": 10}
